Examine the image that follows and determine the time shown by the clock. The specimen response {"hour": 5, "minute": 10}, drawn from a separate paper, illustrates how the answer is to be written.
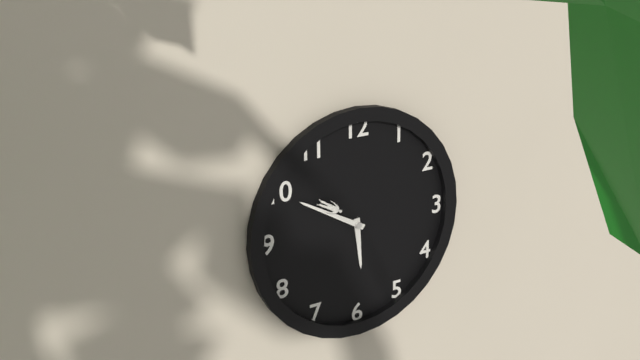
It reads {"hour": 5, "minute": 50}
